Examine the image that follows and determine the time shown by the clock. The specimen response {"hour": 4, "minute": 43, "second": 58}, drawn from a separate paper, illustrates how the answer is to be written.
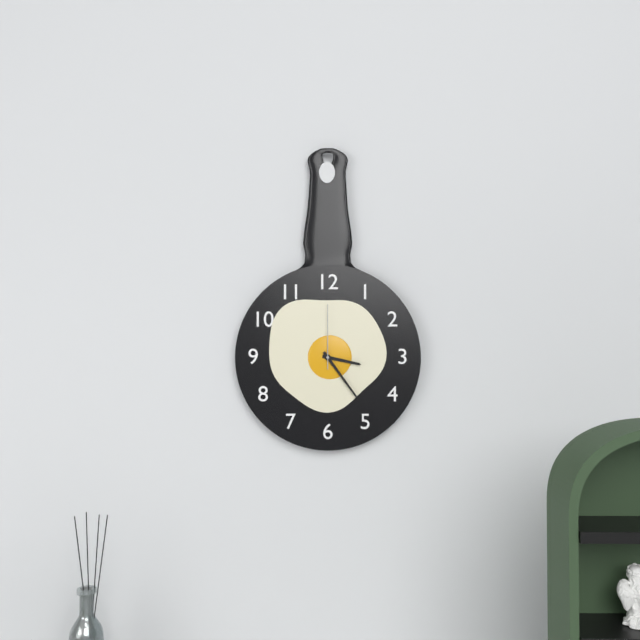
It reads {"hour": 3, "minute": 24, "second": 0}
